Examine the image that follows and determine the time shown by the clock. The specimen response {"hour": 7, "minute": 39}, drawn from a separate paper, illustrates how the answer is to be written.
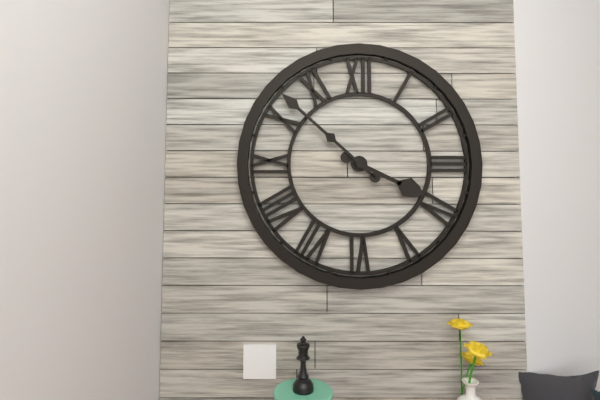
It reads {"hour": 3, "minute": 52}
